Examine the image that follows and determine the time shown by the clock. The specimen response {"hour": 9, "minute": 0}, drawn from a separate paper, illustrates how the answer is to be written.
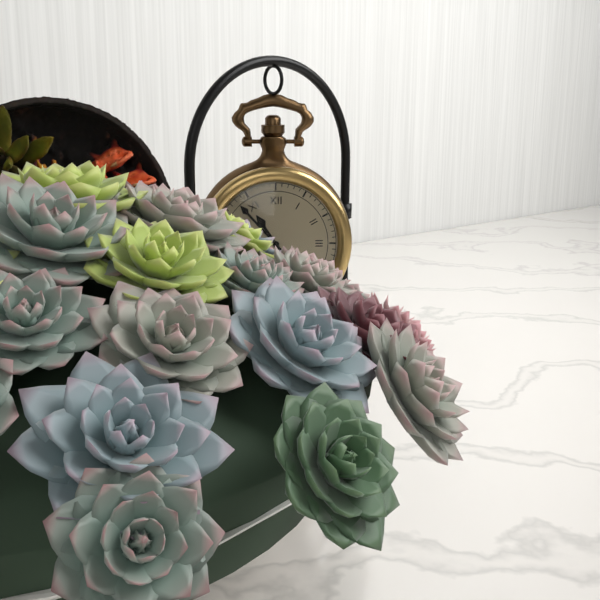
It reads {"hour": 10, "minute": 53}
